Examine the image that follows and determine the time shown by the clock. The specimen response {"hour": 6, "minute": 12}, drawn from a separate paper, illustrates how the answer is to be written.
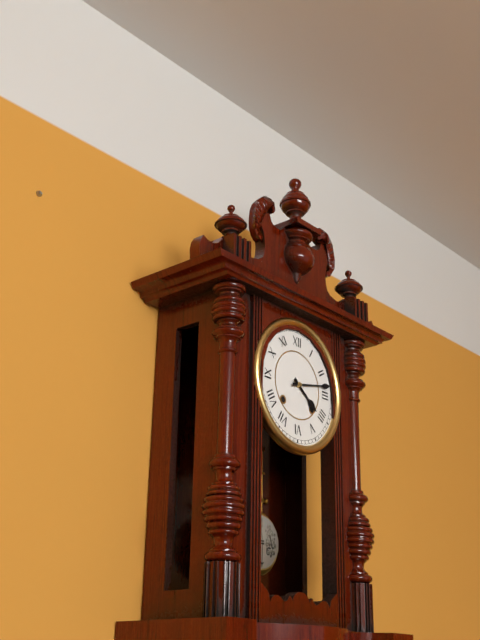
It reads {"hour": 4, "minute": 13}
